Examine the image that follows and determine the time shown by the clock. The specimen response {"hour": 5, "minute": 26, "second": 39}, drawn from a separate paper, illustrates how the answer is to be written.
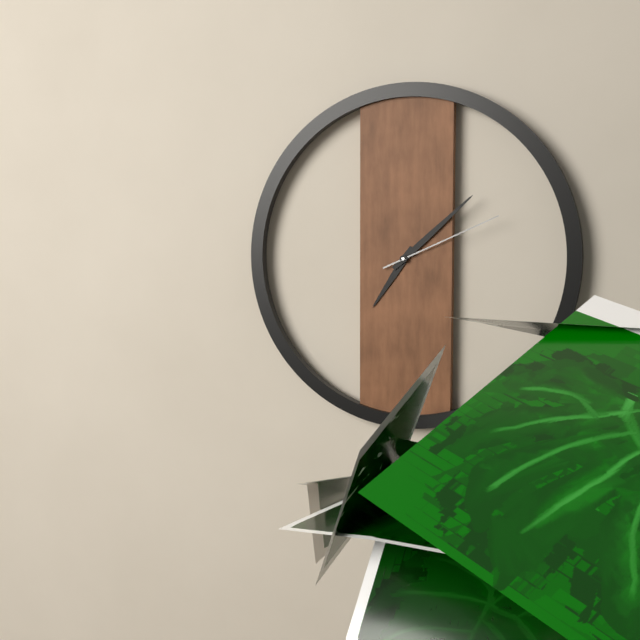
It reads {"hour": 7, "minute": 8, "second": 11}
